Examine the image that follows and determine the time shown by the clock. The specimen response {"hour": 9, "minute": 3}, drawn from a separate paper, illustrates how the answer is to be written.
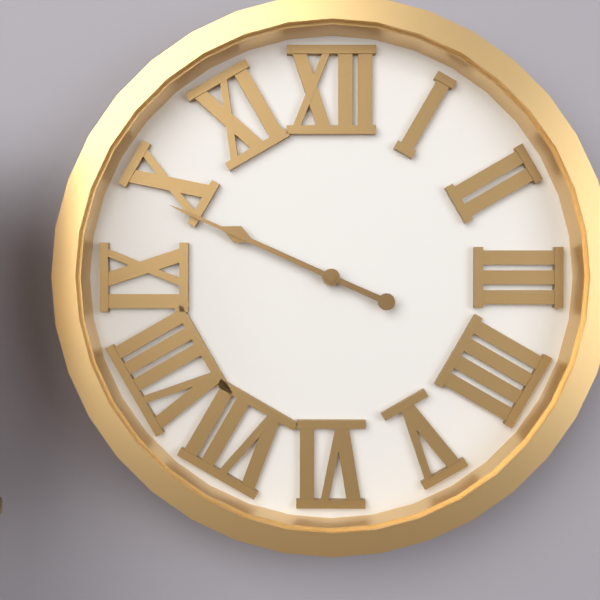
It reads {"hour": 9, "minute": 49}
